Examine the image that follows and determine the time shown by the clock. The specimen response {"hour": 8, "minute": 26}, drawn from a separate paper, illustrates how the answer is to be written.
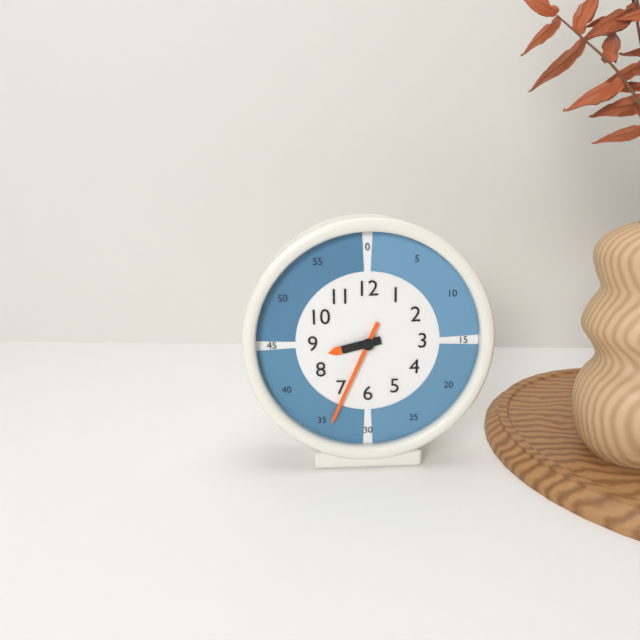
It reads {"hour": 8, "minute": 34}
